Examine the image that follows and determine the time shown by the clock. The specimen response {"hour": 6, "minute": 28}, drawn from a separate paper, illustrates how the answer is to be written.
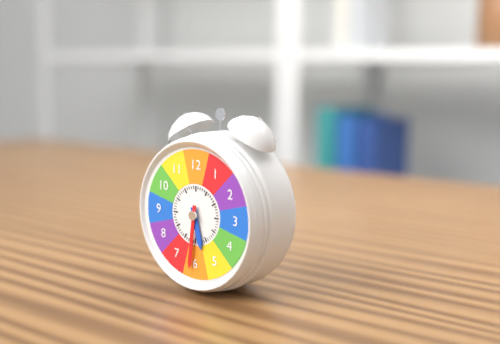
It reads {"hour": 5, "minute": 31}
